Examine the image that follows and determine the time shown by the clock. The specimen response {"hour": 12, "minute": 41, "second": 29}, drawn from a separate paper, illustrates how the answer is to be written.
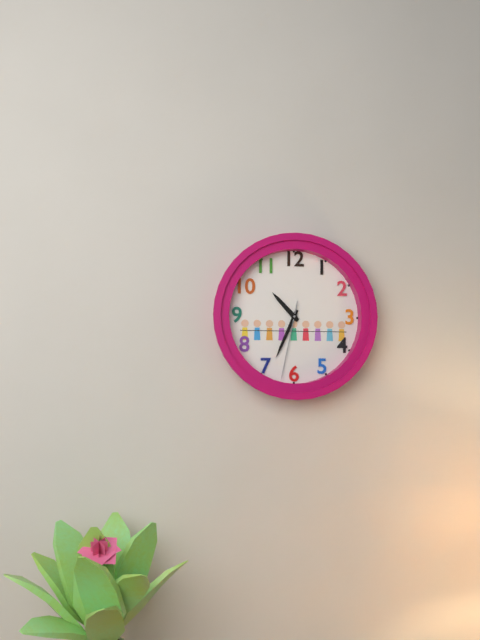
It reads {"hour": 10, "minute": 34, "second": 32}
